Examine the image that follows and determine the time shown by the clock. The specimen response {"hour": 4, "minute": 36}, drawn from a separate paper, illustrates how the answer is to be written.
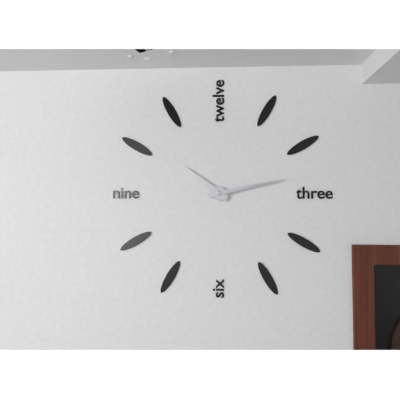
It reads {"hour": 10, "minute": 13}
